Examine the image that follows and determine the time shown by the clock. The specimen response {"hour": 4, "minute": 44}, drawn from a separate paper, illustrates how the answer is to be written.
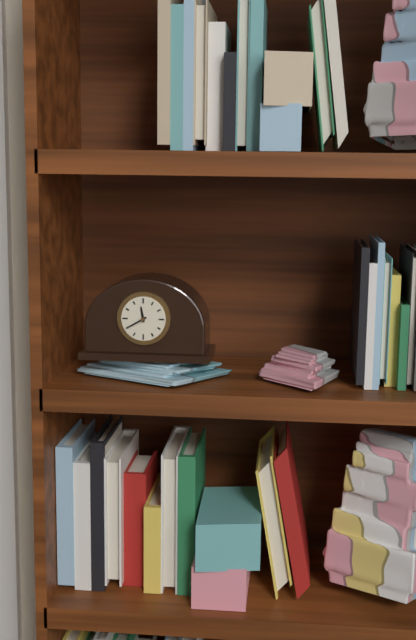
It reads {"hour": 11, "minute": 40}
